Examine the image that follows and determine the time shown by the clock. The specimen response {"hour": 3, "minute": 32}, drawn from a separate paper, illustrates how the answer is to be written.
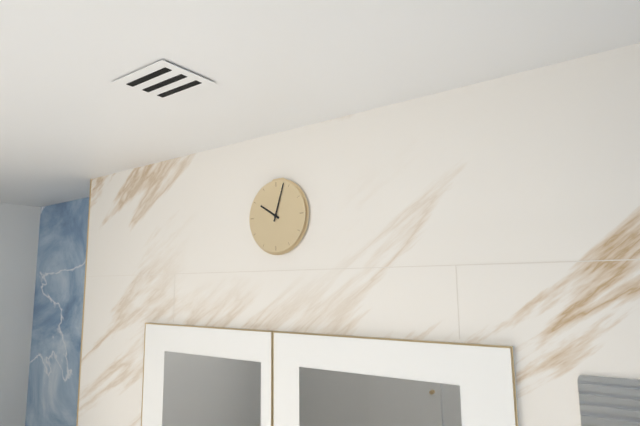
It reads {"hour": 10, "minute": 3}
